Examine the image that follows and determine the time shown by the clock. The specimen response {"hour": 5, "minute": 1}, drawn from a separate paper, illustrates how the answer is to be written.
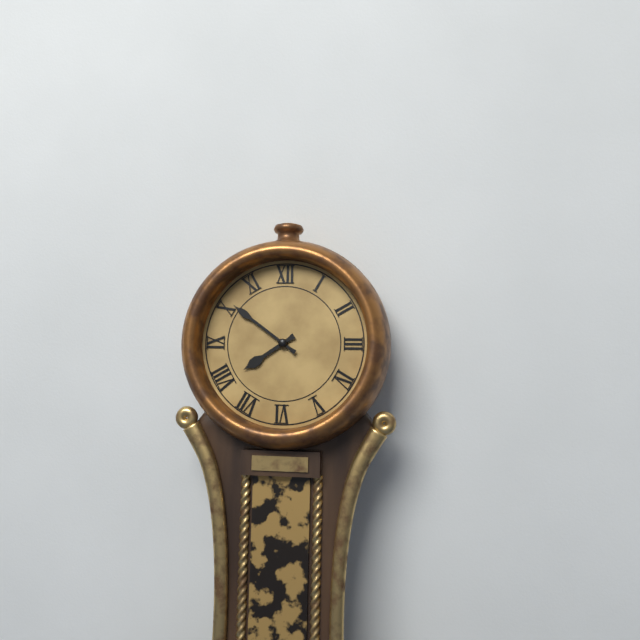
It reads {"hour": 7, "minute": 51}
